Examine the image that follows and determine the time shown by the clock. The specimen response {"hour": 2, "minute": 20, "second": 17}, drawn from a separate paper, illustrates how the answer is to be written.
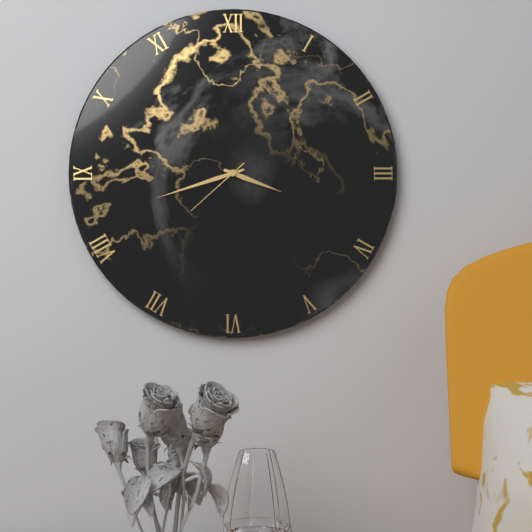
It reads {"hour": 3, "minute": 42, "second": 38}
